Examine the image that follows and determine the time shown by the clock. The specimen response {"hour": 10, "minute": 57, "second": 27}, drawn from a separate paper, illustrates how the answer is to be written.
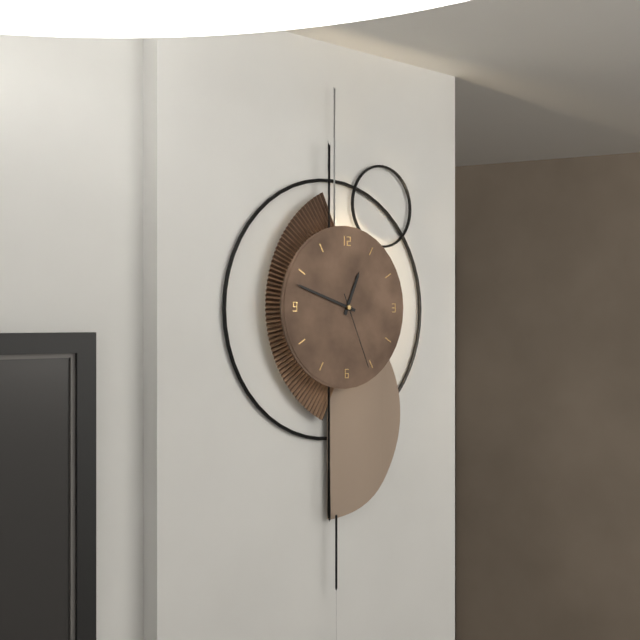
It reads {"hour": 12, "minute": 48, "second": 26}
